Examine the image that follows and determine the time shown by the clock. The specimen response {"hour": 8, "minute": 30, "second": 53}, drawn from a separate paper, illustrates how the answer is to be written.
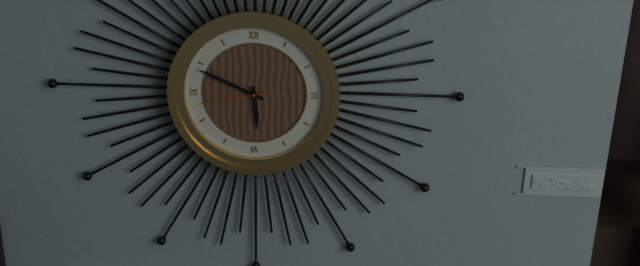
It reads {"hour": 5, "minute": 49, "second": 43}
